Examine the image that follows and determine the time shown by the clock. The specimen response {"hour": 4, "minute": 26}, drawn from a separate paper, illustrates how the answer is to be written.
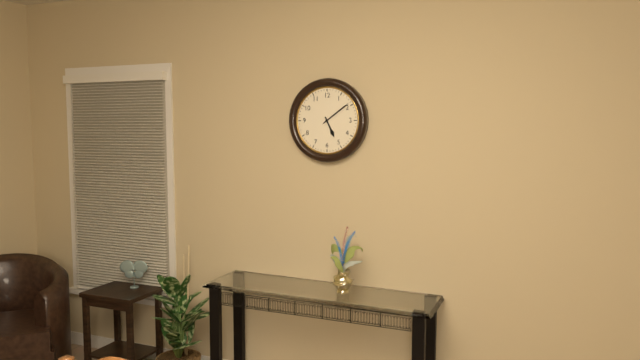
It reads {"hour": 5, "minute": 9}
